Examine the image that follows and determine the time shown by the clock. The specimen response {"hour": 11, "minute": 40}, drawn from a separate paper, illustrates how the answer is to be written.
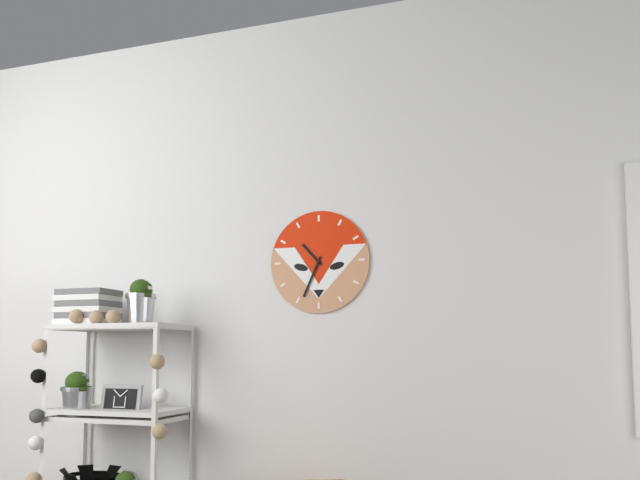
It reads {"hour": 10, "minute": 34}
